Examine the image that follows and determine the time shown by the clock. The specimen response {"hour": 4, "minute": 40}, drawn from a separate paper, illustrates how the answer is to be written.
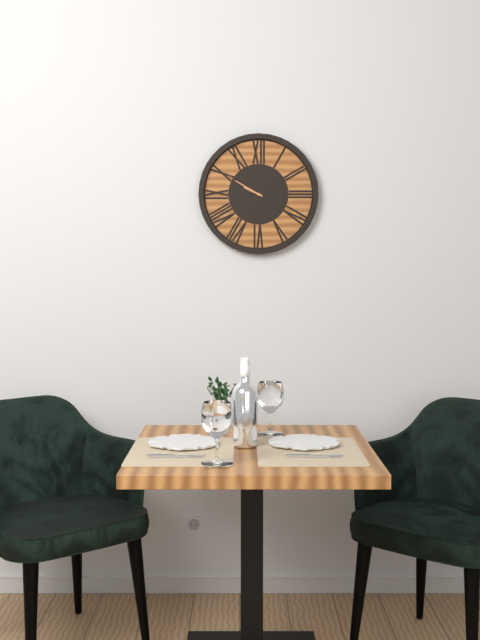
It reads {"hour": 9, "minute": 50}
